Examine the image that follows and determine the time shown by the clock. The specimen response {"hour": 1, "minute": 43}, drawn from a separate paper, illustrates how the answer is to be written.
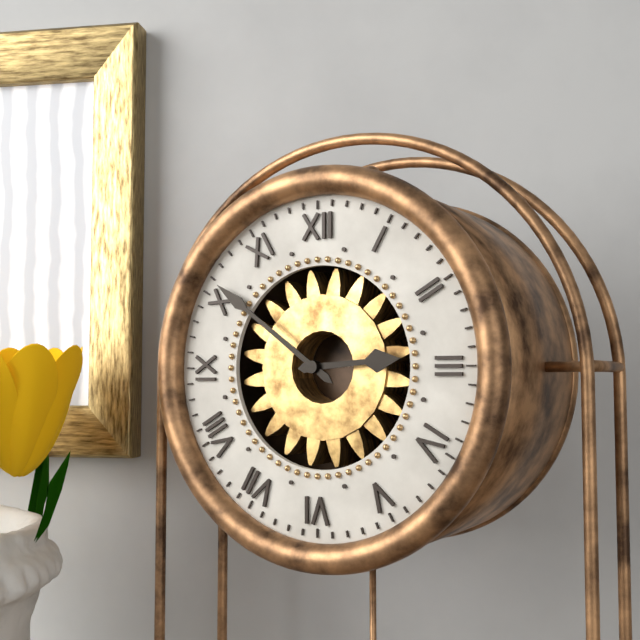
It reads {"hour": 2, "minute": 51}
